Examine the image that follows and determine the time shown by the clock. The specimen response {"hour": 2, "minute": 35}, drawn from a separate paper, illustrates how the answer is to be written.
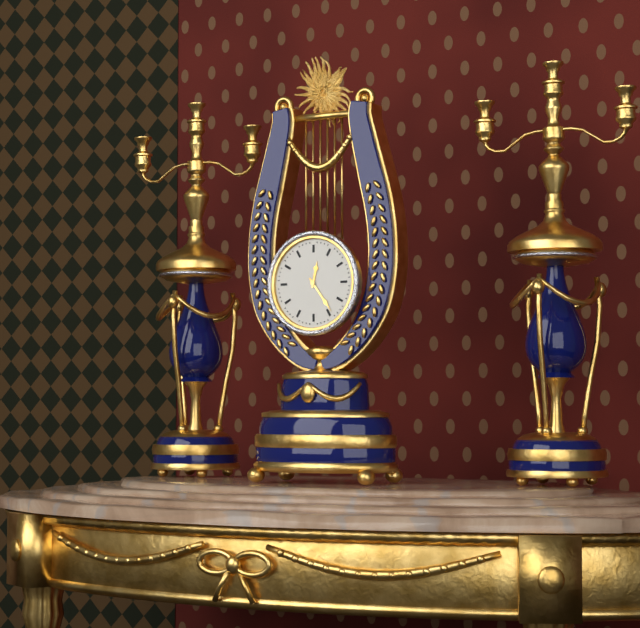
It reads {"hour": 12, "minute": 24}
